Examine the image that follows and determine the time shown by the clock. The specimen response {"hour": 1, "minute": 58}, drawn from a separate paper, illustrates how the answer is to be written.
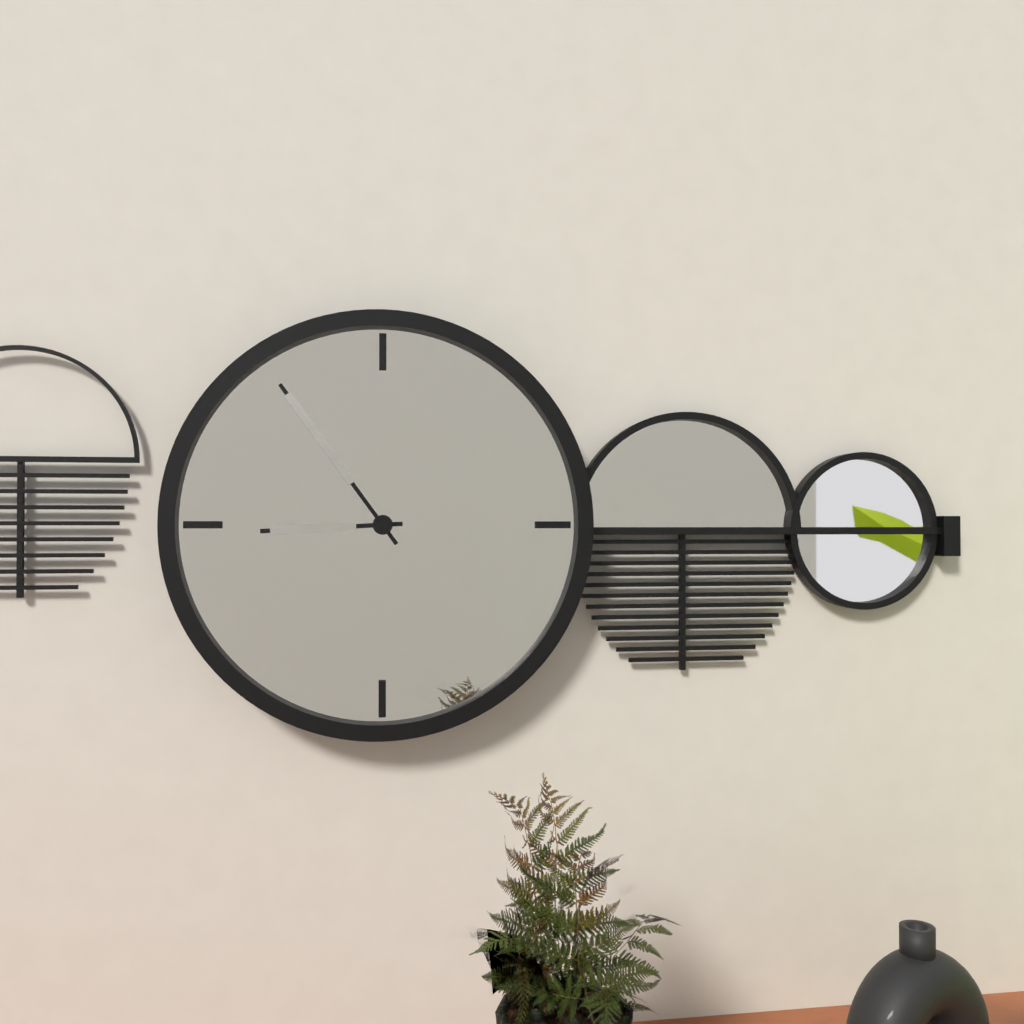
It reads {"hour": 8, "minute": 54}
